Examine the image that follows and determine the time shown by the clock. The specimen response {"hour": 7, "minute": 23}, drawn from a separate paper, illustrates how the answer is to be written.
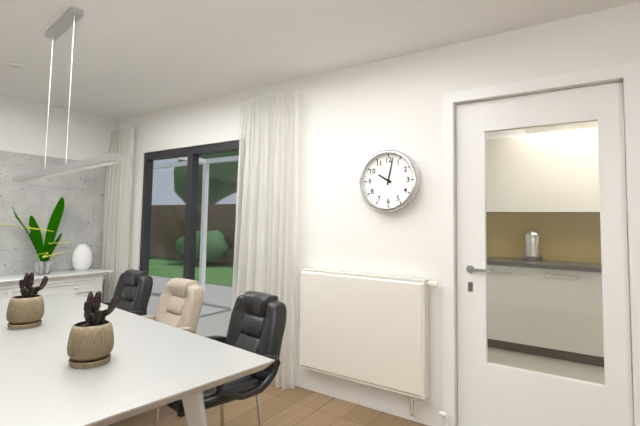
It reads {"hour": 10, "minute": 2}
